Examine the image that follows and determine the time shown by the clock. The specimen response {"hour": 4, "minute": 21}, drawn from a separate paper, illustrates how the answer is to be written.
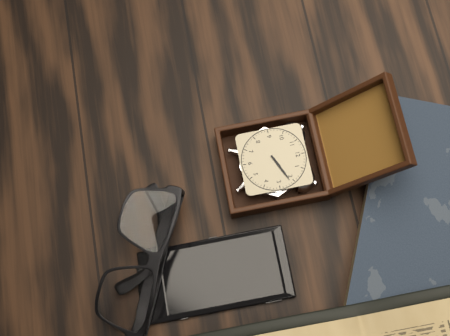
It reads {"hour": 2, "minute": 11}
